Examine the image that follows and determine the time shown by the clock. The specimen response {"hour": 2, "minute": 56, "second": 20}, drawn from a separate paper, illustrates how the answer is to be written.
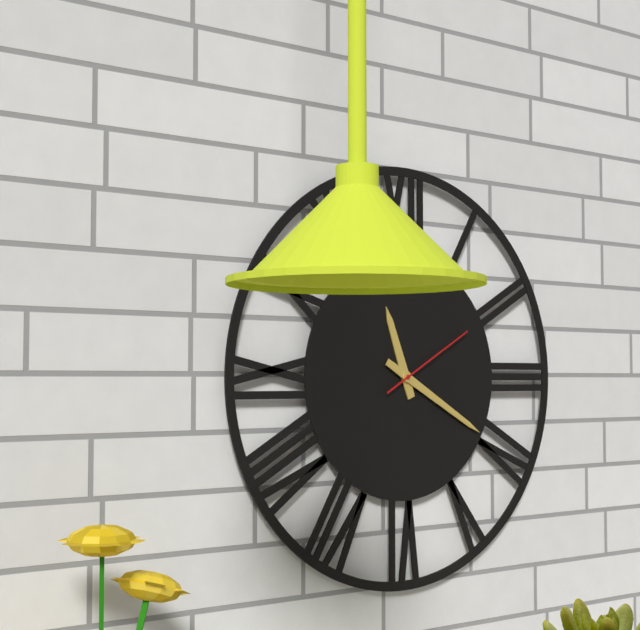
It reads {"hour": 11, "minute": 20, "second": 10}
